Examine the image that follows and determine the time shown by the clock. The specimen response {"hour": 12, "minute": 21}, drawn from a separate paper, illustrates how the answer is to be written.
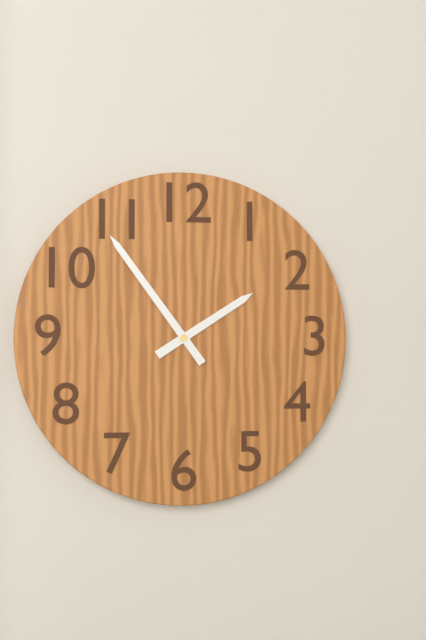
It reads {"hour": 1, "minute": 54}
